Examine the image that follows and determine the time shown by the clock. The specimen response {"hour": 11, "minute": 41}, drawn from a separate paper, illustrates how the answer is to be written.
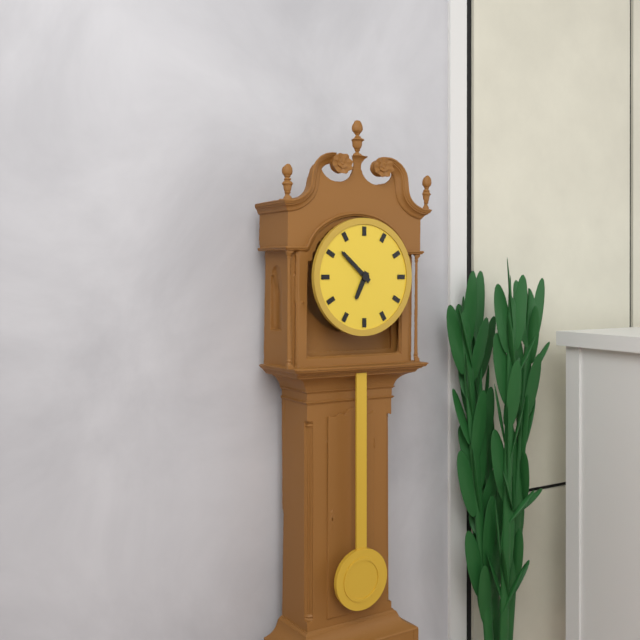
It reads {"hour": 6, "minute": 52}
